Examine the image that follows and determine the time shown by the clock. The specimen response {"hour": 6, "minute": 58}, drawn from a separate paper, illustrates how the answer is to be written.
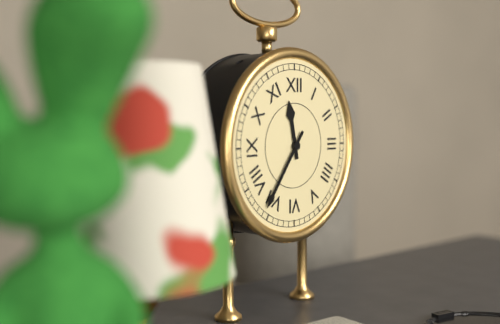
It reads {"hour": 11, "minute": 36}
